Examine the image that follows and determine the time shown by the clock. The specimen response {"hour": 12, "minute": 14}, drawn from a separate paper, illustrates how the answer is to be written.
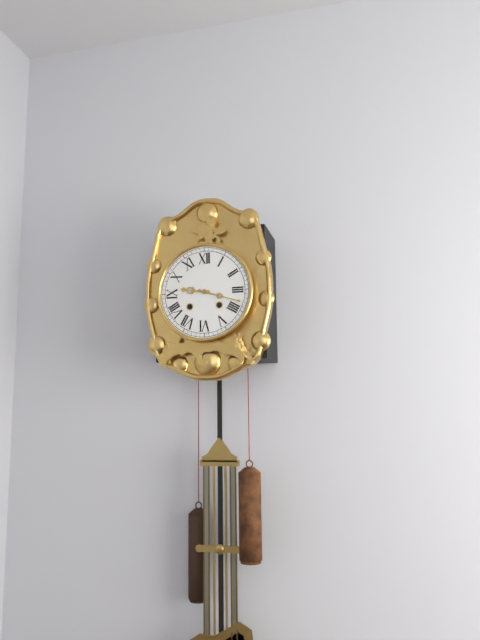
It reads {"hour": 9, "minute": 18}
